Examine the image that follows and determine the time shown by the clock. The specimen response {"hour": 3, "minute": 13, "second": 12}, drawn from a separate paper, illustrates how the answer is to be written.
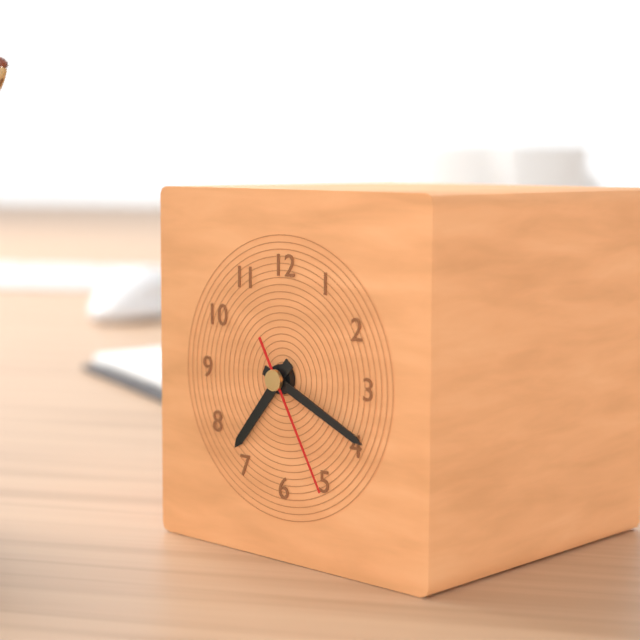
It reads {"hour": 7, "minute": 19, "second": 25}
